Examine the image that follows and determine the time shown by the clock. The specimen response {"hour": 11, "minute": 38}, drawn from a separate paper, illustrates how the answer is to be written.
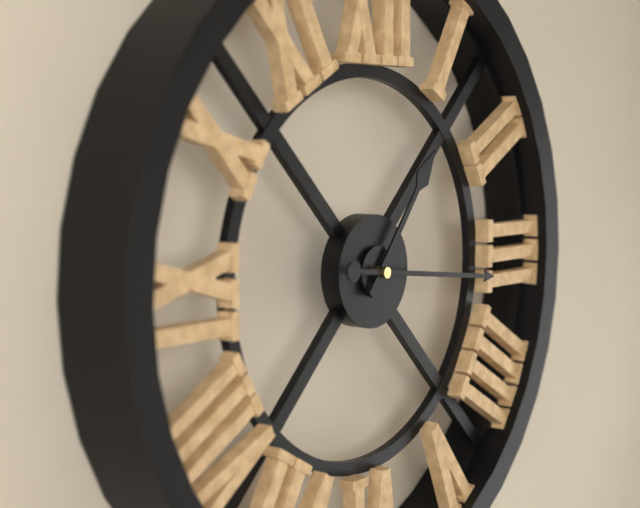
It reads {"hour": 1, "minute": 16}
